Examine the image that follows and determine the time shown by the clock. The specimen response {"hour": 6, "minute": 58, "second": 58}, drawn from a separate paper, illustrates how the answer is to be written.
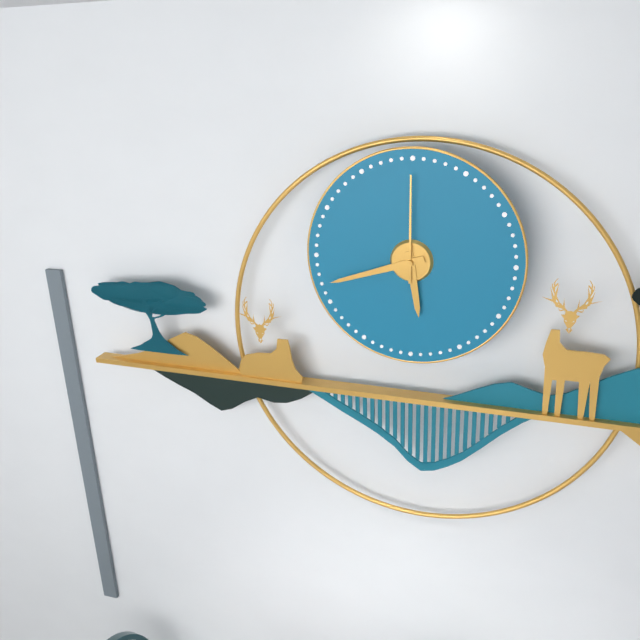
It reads {"hour": 5, "minute": 42, "second": 0}
